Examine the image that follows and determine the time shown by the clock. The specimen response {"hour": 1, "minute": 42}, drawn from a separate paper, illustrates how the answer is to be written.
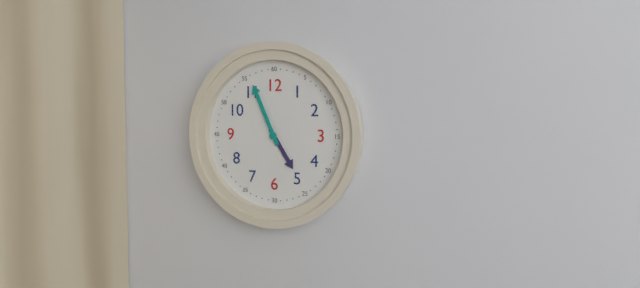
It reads {"hour": 4, "minute": 56}
